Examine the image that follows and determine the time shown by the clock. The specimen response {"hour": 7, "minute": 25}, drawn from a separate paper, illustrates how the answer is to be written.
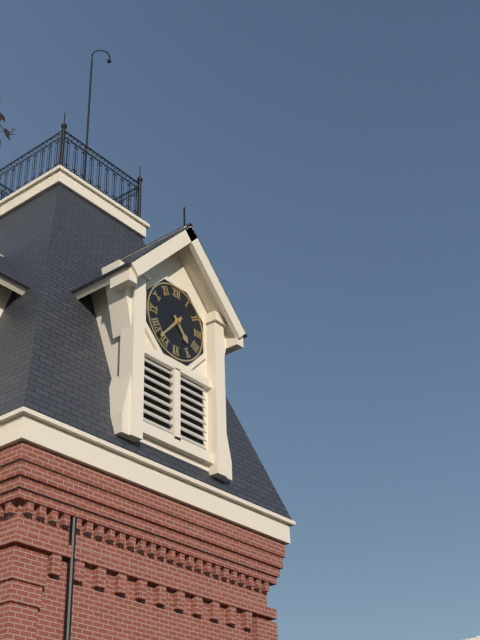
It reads {"hour": 4, "minute": 37}
